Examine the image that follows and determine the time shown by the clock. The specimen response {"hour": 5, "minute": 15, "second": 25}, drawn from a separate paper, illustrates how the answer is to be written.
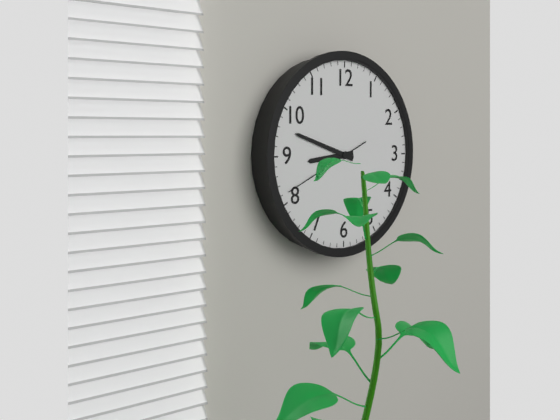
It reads {"hour": 8, "minute": 48, "second": 41}
